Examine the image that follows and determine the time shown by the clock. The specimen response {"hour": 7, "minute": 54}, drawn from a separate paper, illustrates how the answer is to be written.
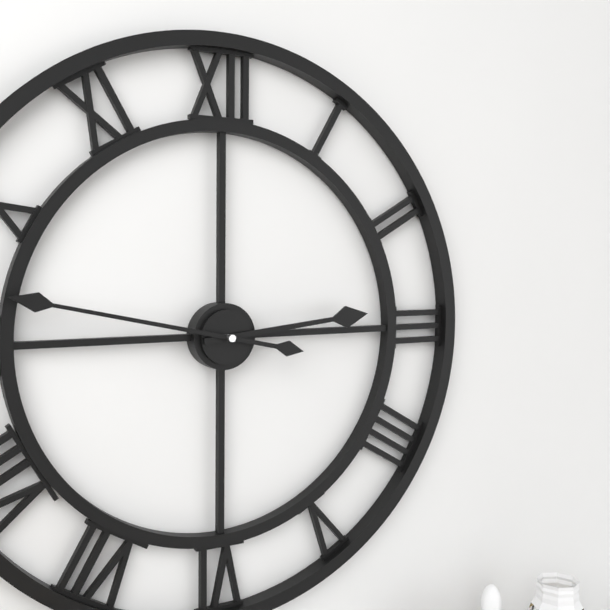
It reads {"hour": 2, "minute": 47}
